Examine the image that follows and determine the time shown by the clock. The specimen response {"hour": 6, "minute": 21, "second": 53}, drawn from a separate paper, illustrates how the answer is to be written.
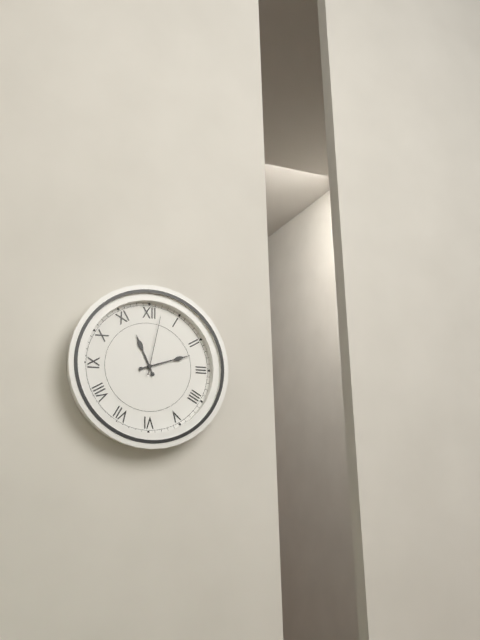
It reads {"hour": 11, "minute": 12, "second": 2}
